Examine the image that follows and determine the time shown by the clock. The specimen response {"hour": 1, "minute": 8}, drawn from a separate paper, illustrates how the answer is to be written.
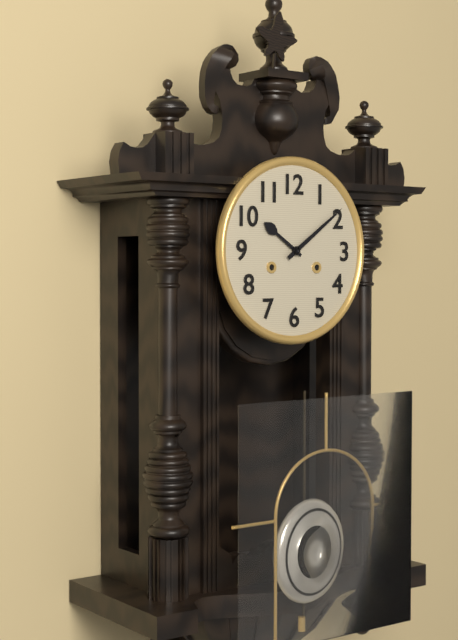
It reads {"hour": 10, "minute": 9}
